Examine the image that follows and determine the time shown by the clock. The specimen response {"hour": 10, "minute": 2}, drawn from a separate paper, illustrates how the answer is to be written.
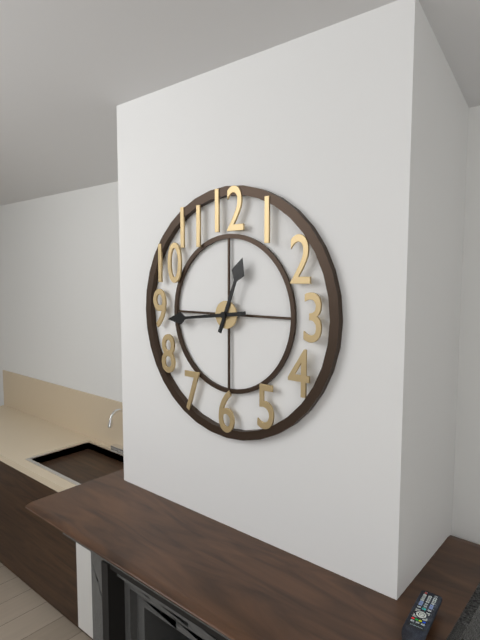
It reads {"hour": 12, "minute": 44}
